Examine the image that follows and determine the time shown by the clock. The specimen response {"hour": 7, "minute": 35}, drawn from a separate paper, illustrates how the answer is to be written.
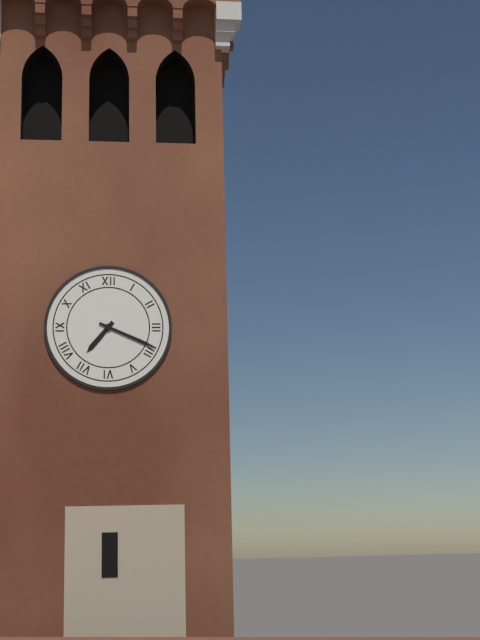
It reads {"hour": 7, "minute": 19}
